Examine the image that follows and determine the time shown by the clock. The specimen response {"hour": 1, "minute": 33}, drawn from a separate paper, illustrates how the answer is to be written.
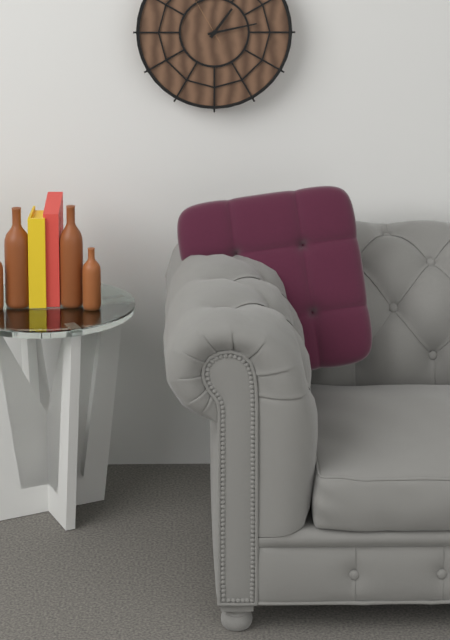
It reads {"hour": 1, "minute": 13}
